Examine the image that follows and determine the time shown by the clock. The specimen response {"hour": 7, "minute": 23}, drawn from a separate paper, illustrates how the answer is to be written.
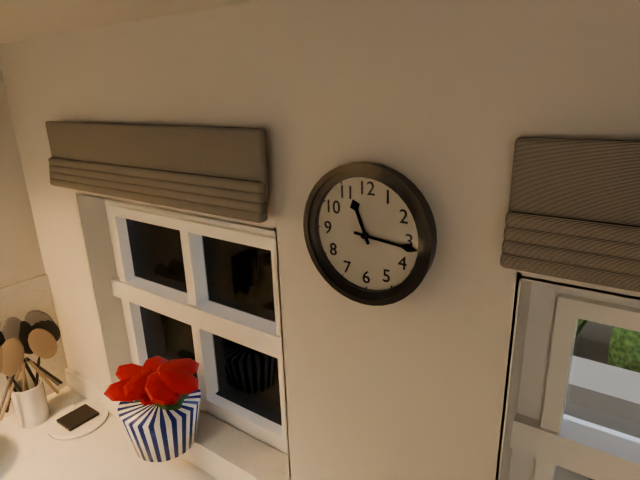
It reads {"hour": 11, "minute": 16}
